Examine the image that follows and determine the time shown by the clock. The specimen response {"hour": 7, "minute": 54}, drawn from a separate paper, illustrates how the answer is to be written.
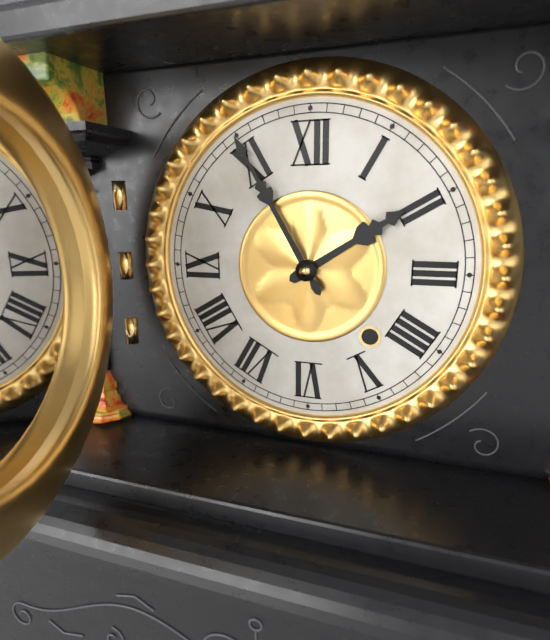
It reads {"hour": 1, "minute": 55}
